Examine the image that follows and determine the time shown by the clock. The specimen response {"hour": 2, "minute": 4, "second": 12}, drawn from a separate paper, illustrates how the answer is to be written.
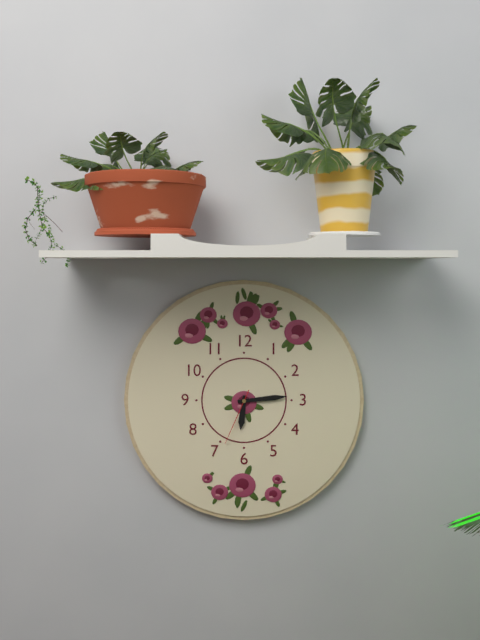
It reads {"hour": 6, "minute": 14, "second": 34}
